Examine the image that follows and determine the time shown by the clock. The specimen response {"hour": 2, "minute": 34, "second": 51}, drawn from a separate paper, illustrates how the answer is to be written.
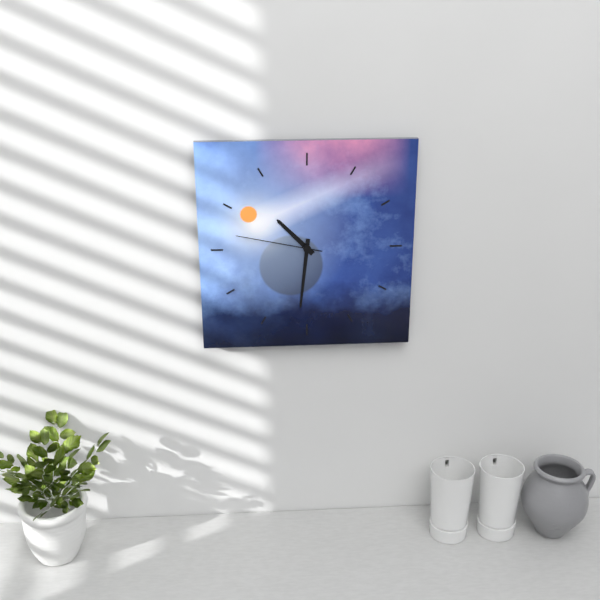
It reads {"hour": 10, "minute": 31, "second": 47}
